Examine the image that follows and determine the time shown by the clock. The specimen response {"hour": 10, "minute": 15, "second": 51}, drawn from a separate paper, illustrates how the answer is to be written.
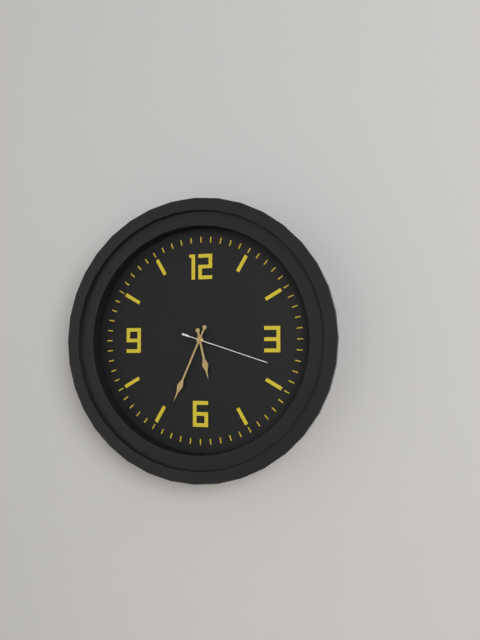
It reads {"hour": 5, "minute": 34, "second": 18}
